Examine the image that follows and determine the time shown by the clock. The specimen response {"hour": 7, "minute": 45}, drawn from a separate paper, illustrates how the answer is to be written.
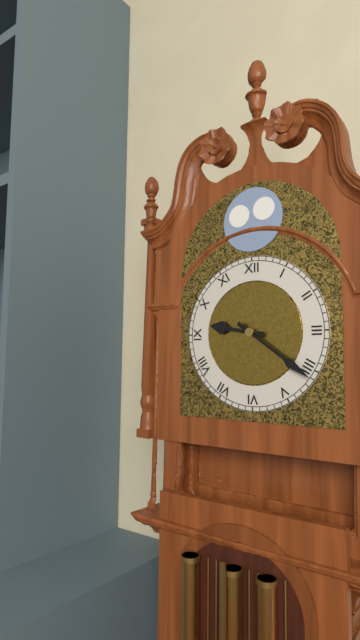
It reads {"hour": 9, "minute": 21}
